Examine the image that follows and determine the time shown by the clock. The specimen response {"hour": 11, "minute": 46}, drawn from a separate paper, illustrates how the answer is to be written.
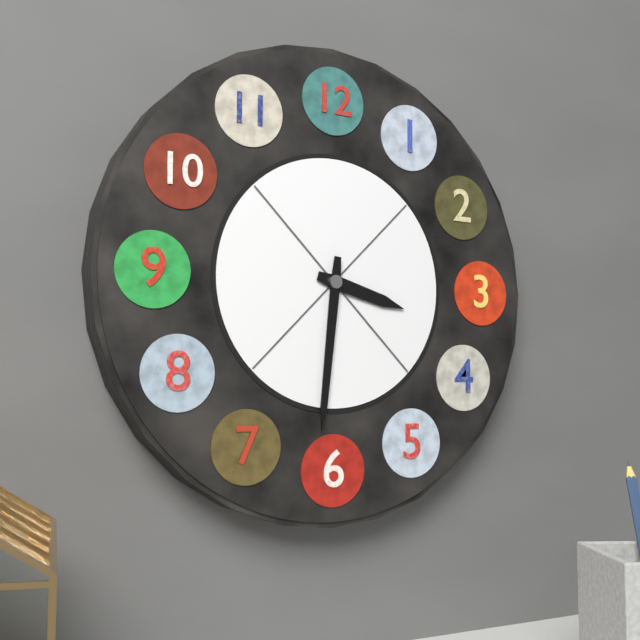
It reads {"hour": 3, "minute": 31}
